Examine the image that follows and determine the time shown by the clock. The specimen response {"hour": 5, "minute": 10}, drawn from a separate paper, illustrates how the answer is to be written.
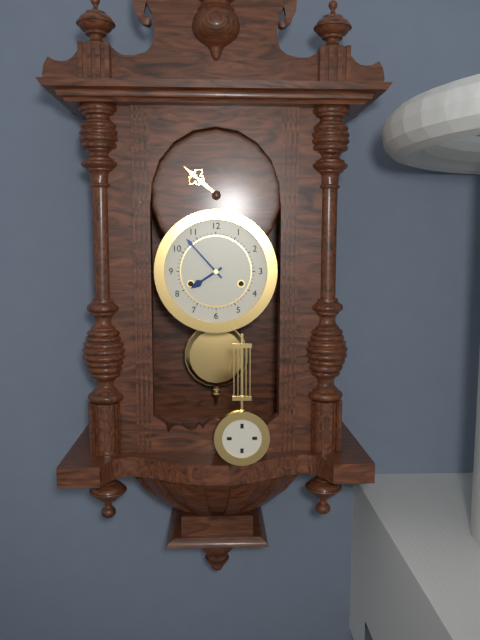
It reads {"hour": 7, "minute": 53}
